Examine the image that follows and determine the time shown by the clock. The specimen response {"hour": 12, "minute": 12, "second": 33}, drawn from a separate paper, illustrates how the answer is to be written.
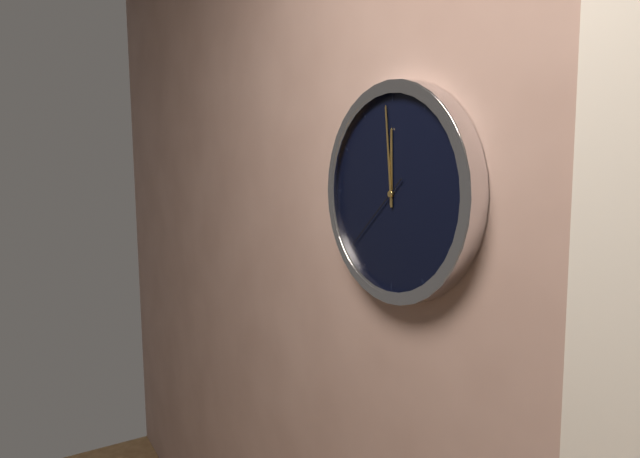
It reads {"hour": 11, "minute": 59, "second": 38}
